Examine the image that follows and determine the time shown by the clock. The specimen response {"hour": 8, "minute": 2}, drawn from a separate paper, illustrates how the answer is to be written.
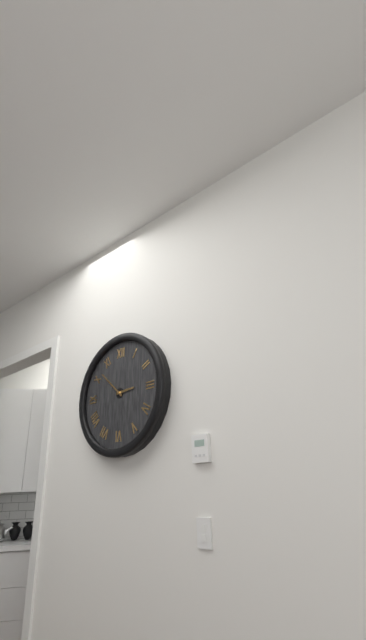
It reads {"hour": 2, "minute": 52}
